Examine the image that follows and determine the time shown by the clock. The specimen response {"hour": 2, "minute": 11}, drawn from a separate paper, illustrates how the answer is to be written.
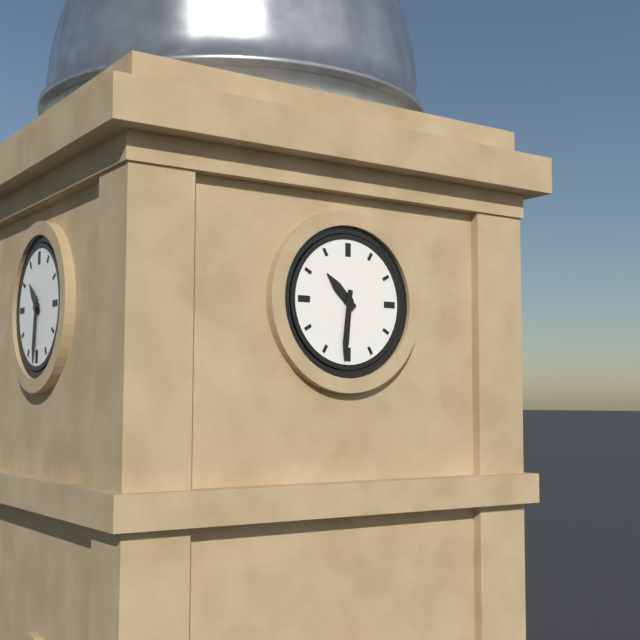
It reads {"hour": 10, "minute": 31}
